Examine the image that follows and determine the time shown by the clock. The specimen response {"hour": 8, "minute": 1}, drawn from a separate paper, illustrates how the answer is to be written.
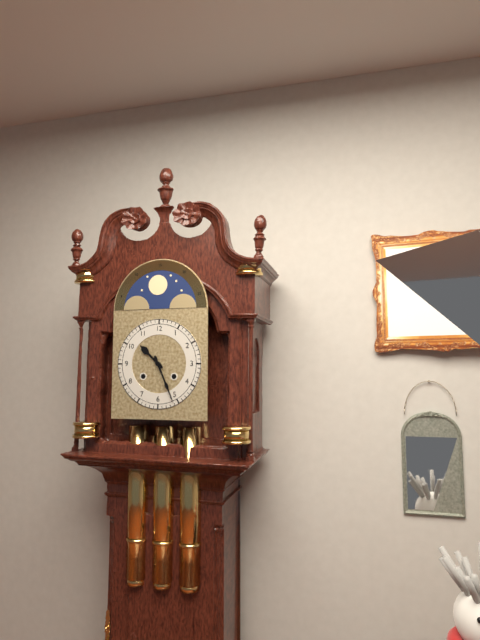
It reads {"hour": 10, "minute": 26}
